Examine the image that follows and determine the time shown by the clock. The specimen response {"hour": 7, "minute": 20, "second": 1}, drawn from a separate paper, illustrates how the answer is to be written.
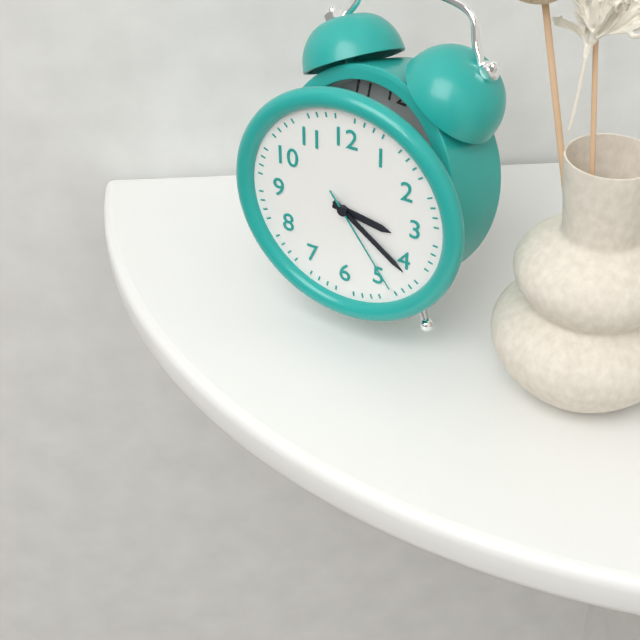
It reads {"hour": 3, "minute": 21, "second": 24}
